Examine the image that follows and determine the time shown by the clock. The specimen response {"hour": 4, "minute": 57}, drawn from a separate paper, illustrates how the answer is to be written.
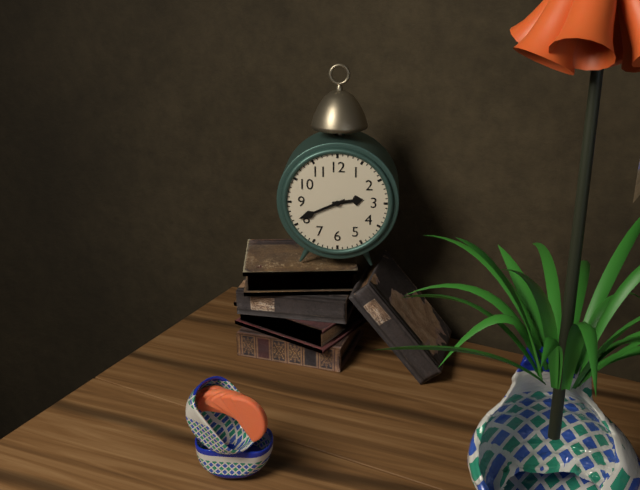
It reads {"hour": 2, "minute": 41}
